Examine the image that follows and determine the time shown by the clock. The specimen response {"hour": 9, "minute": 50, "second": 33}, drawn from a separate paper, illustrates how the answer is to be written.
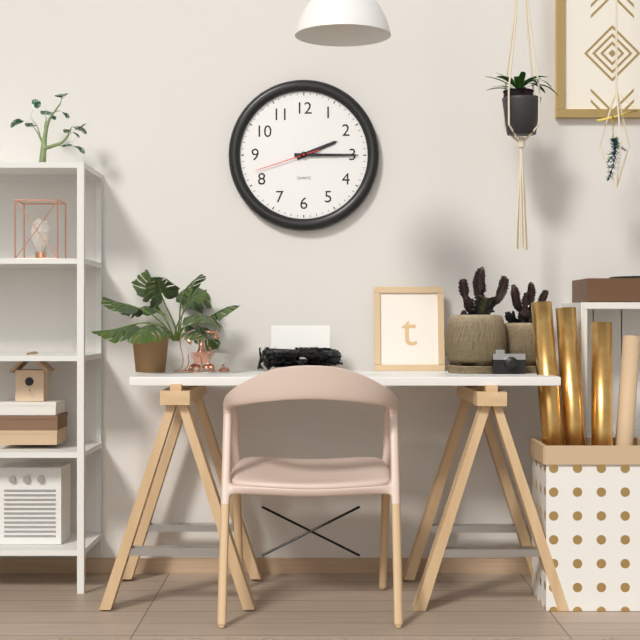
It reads {"hour": 2, "minute": 15, "second": 42}
